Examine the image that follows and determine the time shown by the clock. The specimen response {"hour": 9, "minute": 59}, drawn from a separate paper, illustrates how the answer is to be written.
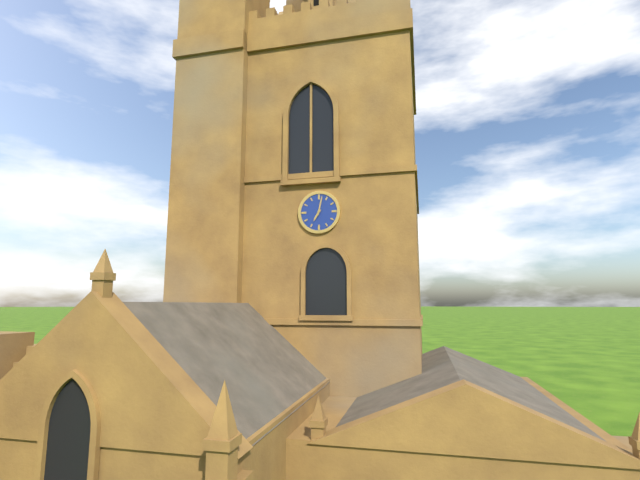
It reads {"hour": 7, "minute": 2}
